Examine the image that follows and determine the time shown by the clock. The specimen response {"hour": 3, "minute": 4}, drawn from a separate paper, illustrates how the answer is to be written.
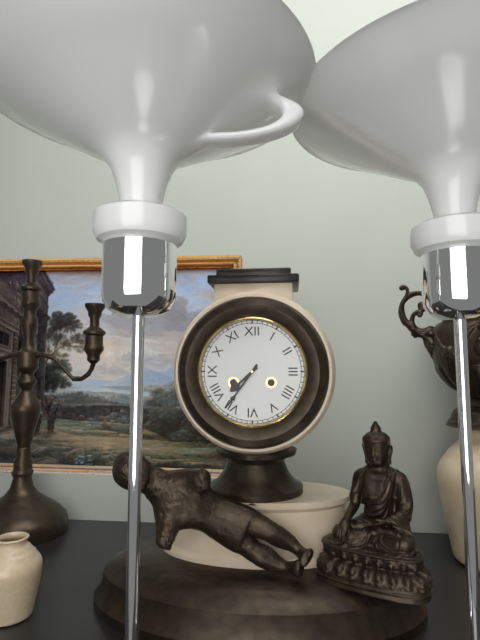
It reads {"hour": 7, "minute": 36}
